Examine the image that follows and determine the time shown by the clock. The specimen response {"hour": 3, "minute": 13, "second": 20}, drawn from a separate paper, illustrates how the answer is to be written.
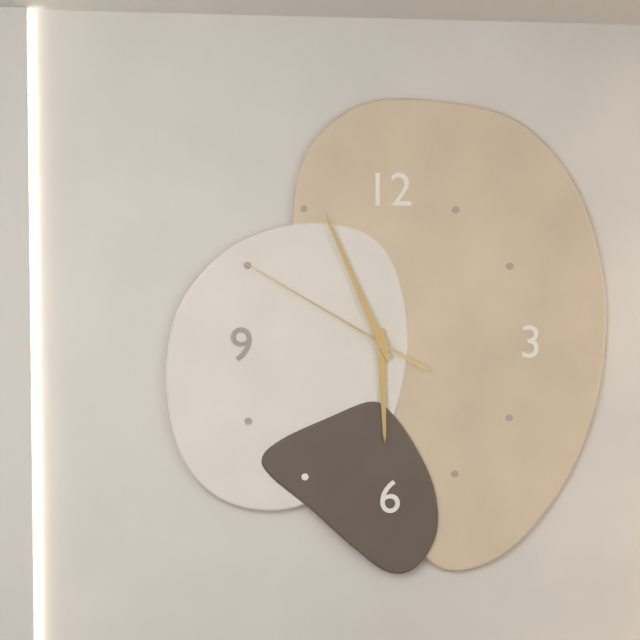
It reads {"hour": 5, "minute": 56, "second": 50}
